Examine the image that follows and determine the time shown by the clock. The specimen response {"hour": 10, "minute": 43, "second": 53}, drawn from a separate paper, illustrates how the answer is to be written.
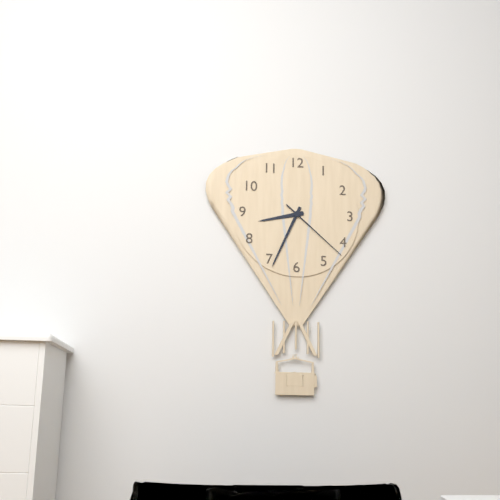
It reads {"hour": 8, "minute": 34, "second": 22}
